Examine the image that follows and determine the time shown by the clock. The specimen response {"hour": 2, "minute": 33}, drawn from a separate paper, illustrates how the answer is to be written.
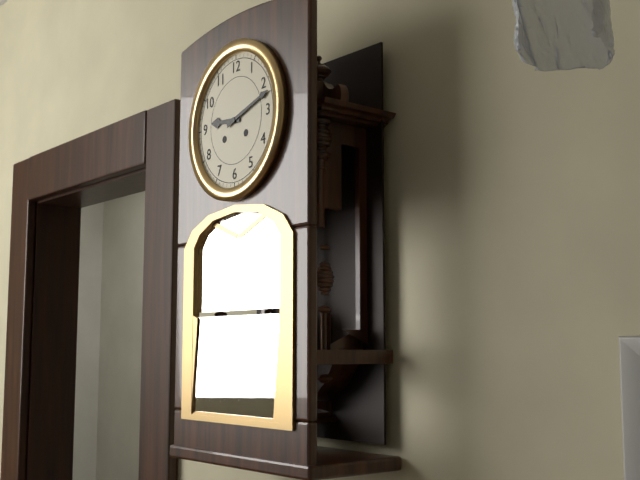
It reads {"hour": 9, "minute": 12}
